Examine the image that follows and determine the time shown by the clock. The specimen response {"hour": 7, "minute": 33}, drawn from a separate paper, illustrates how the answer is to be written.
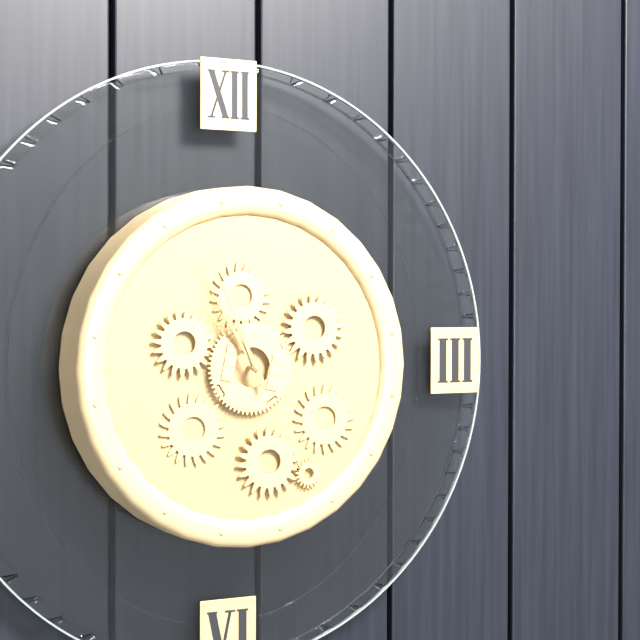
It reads {"hour": 10, "minute": 56}
